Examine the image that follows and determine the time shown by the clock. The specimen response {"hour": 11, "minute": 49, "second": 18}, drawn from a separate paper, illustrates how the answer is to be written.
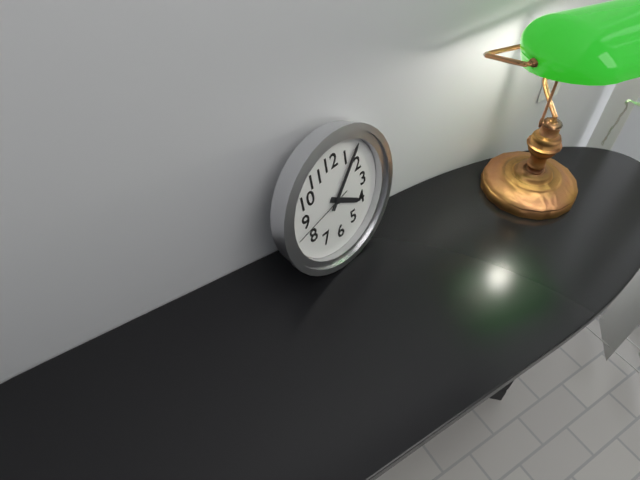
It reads {"hour": 4, "minute": 7, "second": 43}
